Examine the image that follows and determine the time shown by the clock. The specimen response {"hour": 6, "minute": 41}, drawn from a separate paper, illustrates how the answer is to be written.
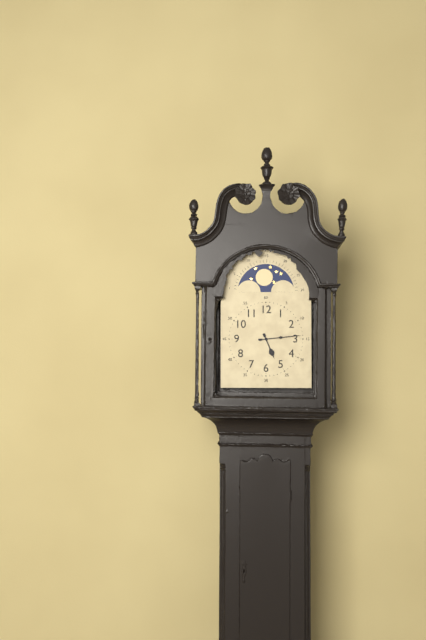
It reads {"hour": 5, "minute": 14}
